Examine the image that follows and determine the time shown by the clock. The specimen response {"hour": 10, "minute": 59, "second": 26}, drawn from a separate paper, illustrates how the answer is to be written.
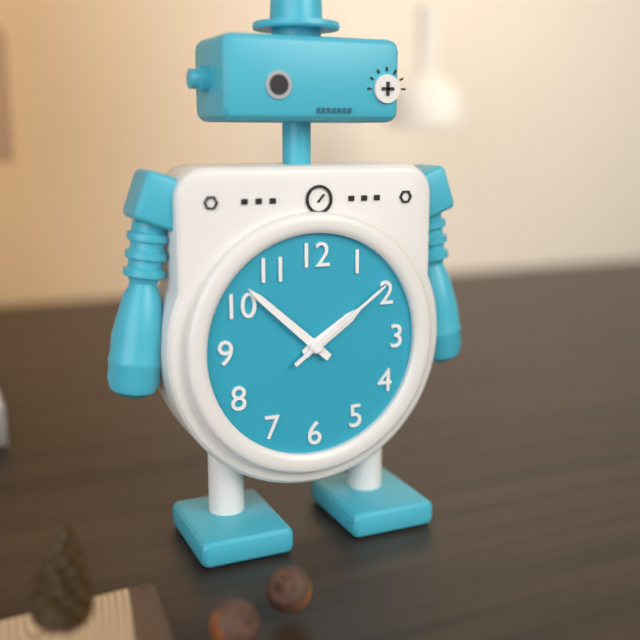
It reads {"hour": 1, "minute": 52, "second": 9}
